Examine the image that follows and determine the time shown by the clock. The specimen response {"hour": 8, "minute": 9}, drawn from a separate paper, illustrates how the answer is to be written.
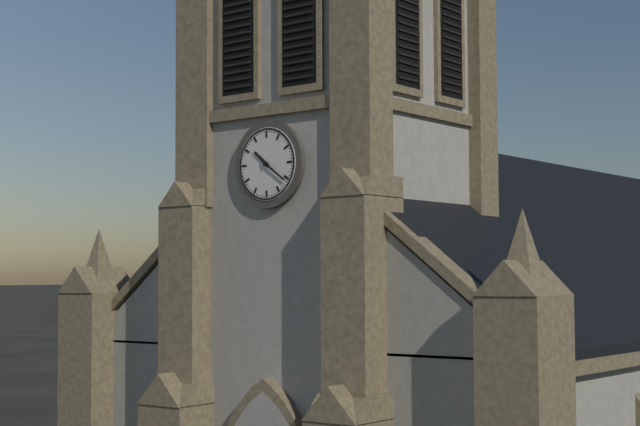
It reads {"hour": 10, "minute": 21}
